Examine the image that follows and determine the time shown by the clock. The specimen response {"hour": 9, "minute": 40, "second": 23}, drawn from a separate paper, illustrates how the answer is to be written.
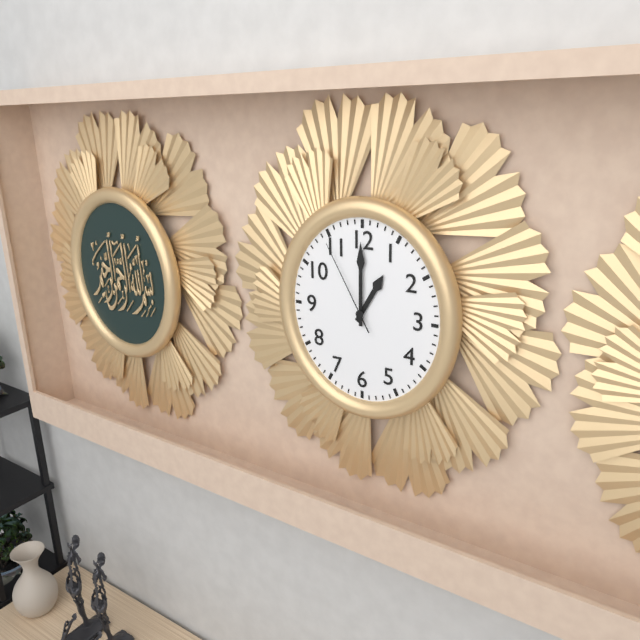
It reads {"hour": 1, "minute": 0, "second": 55}
